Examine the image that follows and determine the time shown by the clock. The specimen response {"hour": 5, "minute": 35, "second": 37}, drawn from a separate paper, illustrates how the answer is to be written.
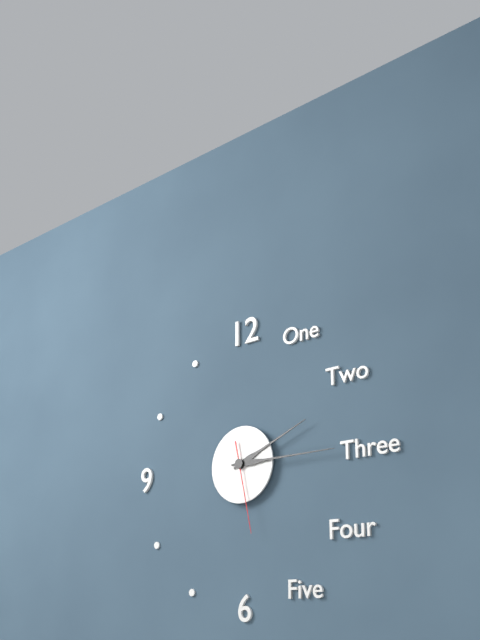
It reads {"hour": 2, "minute": 15, "second": 28}
